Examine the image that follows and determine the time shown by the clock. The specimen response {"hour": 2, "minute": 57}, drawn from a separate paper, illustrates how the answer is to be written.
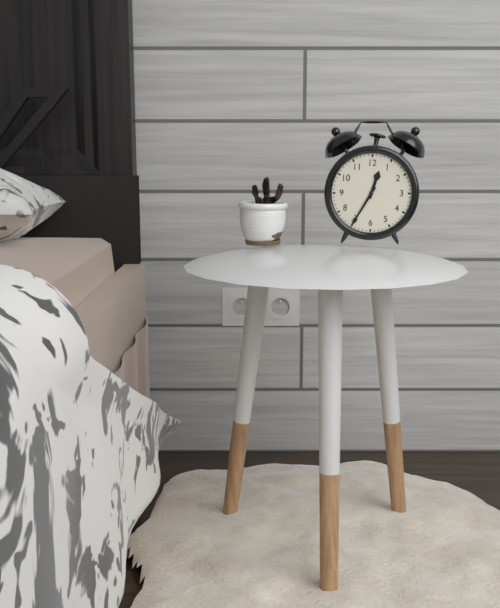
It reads {"hour": 12, "minute": 35}
